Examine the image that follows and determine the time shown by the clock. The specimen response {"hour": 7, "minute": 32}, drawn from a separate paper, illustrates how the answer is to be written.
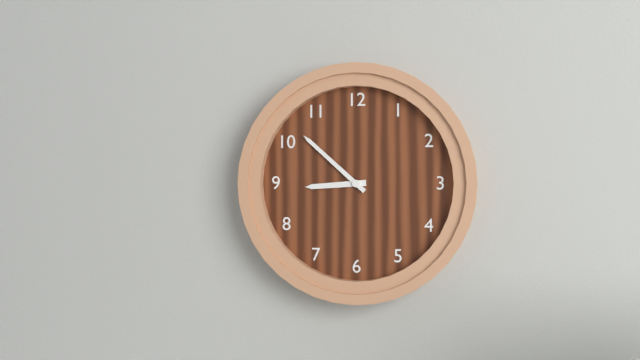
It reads {"hour": 8, "minute": 52}
